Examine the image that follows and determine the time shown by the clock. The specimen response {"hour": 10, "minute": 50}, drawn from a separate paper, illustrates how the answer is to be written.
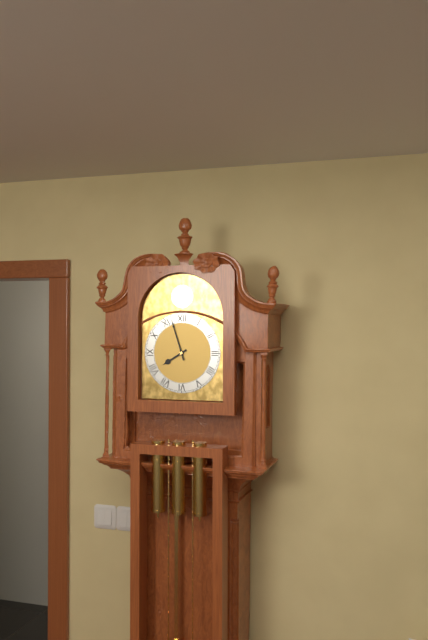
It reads {"hour": 7, "minute": 57}
